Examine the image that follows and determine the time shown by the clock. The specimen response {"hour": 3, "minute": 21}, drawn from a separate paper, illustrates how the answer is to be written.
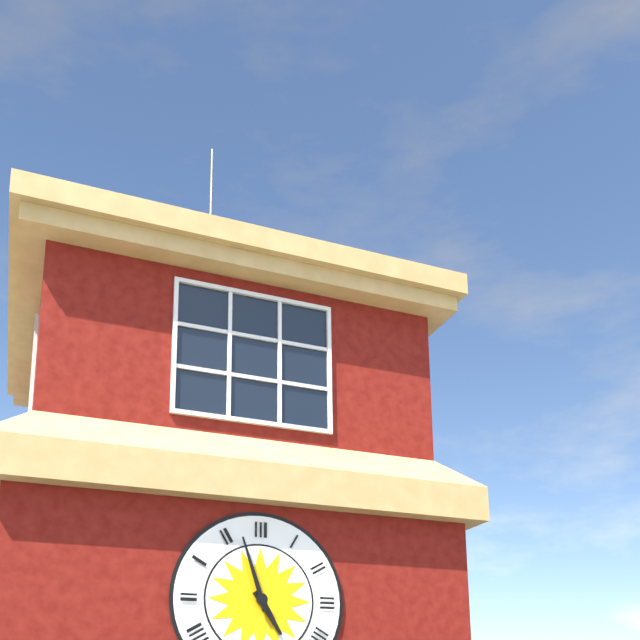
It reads {"hour": 4, "minute": 57}
